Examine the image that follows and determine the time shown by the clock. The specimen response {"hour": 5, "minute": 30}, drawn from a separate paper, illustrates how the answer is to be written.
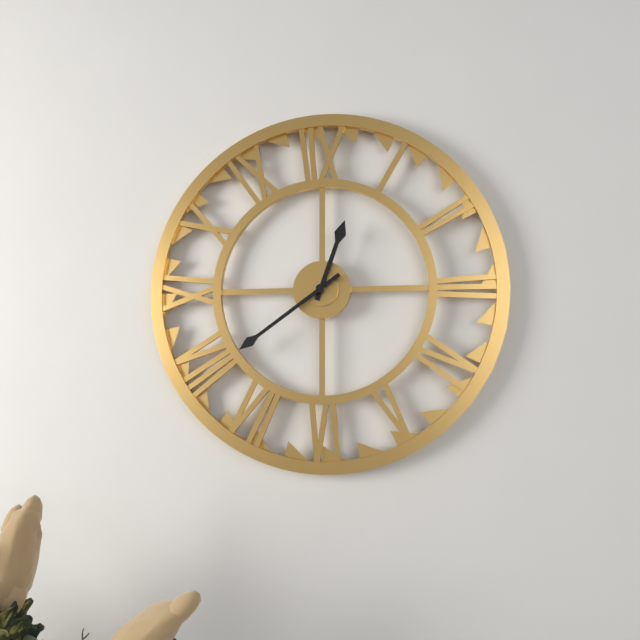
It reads {"hour": 12, "minute": 39}
